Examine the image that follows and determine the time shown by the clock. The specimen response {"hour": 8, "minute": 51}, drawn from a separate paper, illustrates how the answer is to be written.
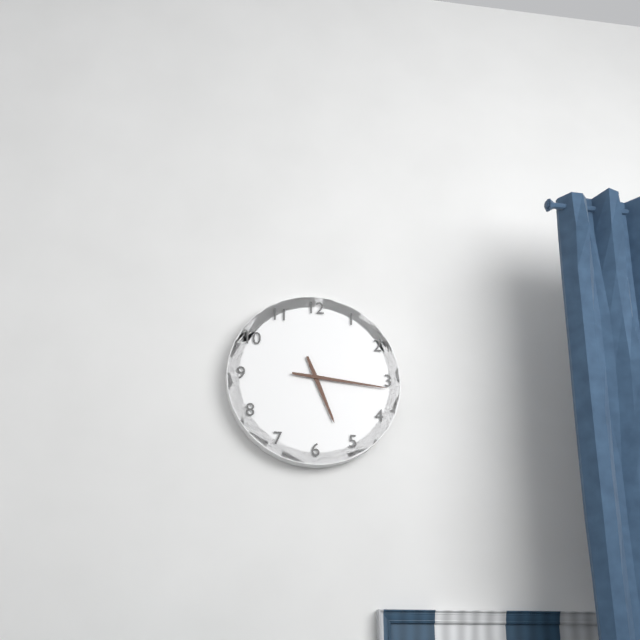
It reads {"hour": 5, "minute": 16}
